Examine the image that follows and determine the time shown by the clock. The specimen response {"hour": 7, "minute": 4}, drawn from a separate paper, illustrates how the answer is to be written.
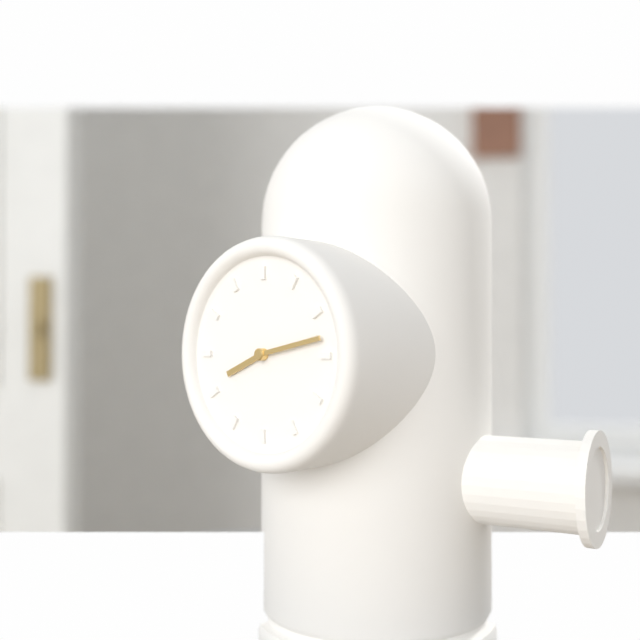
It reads {"hour": 8, "minute": 13}
